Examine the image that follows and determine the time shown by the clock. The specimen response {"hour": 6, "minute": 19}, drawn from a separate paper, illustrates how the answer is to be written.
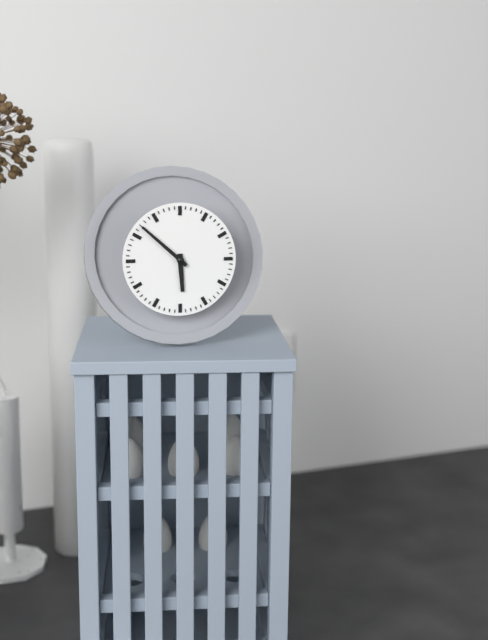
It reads {"hour": 5, "minute": 52}
